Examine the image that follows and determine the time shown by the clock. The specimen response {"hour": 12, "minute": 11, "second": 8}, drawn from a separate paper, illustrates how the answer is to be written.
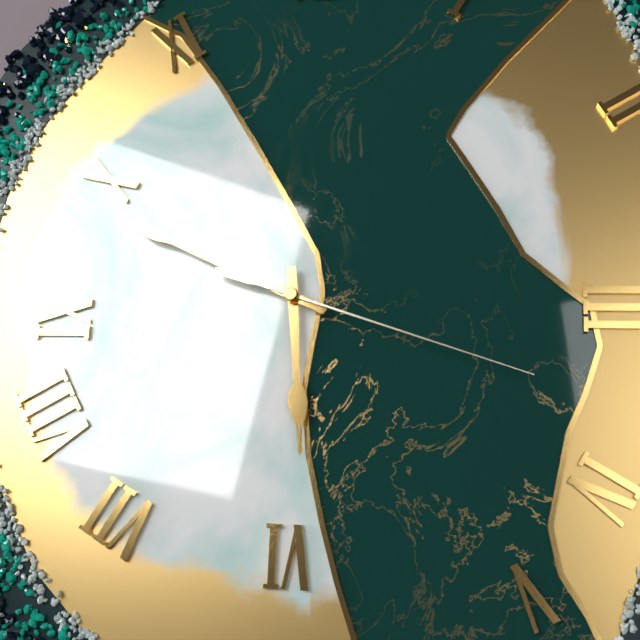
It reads {"hour": 5, "minute": 49, "second": 18}
